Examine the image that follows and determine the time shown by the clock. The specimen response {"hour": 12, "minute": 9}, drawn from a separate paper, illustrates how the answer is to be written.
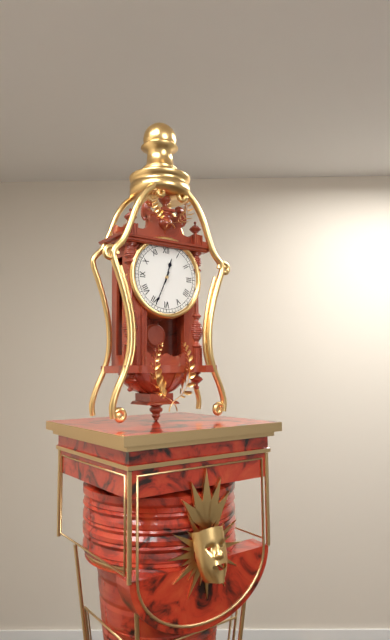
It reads {"hour": 12, "minute": 34}
